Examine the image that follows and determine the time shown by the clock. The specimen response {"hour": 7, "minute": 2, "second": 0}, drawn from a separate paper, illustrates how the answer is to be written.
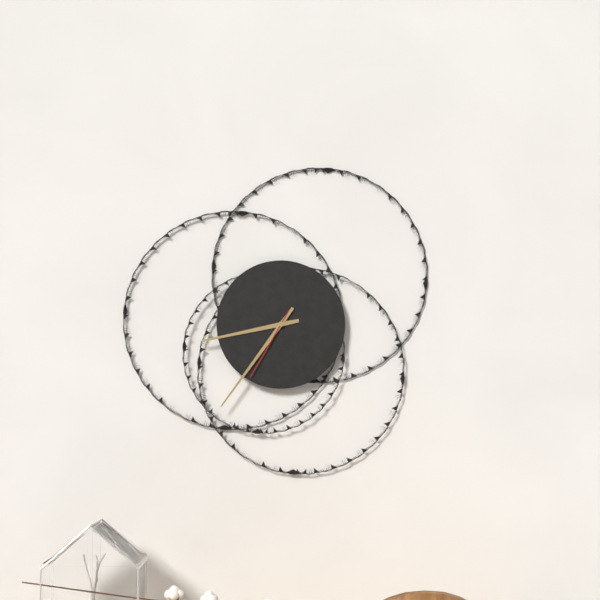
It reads {"hour": 8, "minute": 36, "second": 35}
